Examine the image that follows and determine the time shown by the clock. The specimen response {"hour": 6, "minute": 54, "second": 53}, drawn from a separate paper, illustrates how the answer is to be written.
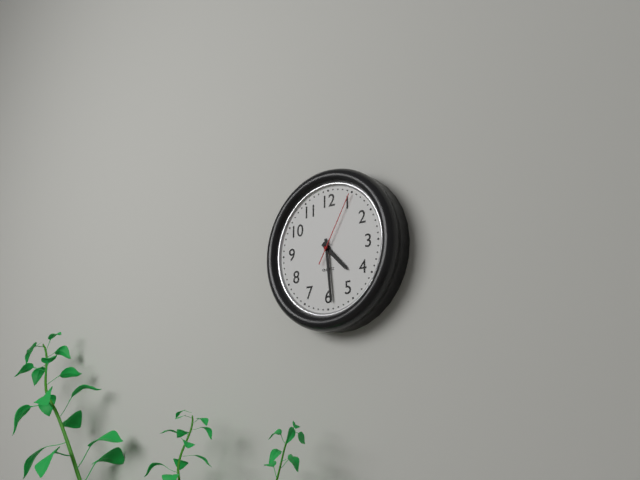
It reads {"hour": 4, "minute": 29, "second": 5}
